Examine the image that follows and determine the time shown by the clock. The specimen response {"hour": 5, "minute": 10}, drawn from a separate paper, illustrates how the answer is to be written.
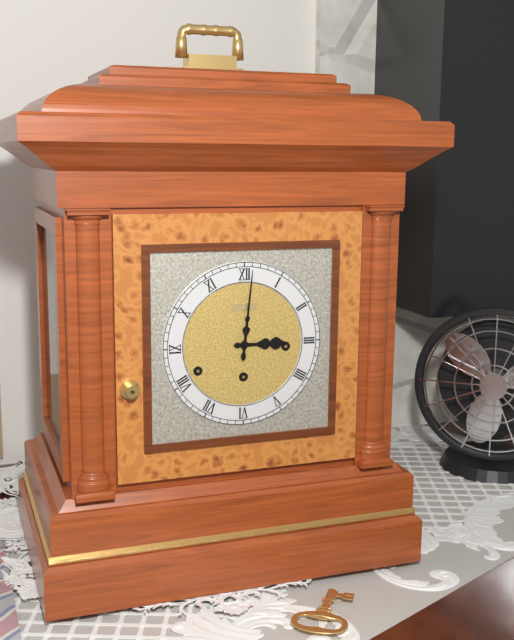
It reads {"hour": 3, "minute": 1}
